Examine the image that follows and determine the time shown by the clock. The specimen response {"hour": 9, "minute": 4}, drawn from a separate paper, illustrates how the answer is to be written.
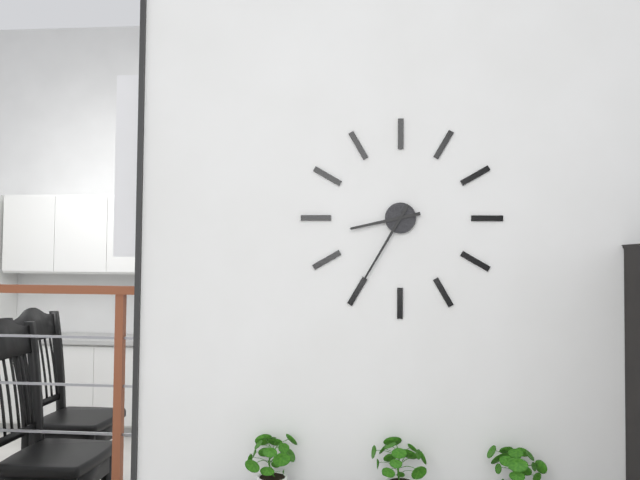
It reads {"hour": 8, "minute": 35}
